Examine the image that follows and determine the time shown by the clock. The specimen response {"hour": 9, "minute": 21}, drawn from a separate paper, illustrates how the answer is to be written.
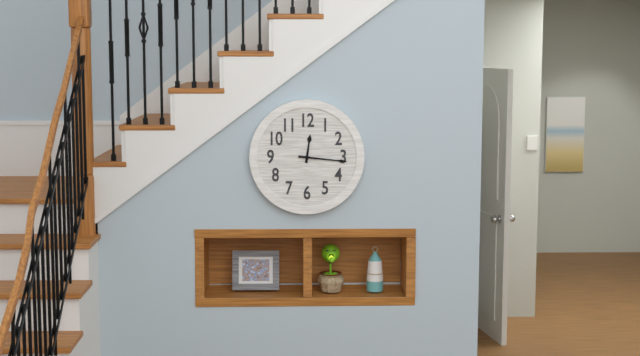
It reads {"hour": 12, "minute": 16}
